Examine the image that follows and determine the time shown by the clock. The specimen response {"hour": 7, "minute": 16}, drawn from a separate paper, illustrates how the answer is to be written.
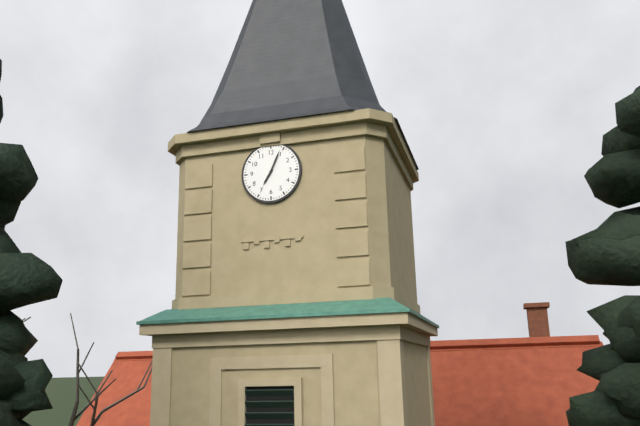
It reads {"hour": 7, "minute": 4}
